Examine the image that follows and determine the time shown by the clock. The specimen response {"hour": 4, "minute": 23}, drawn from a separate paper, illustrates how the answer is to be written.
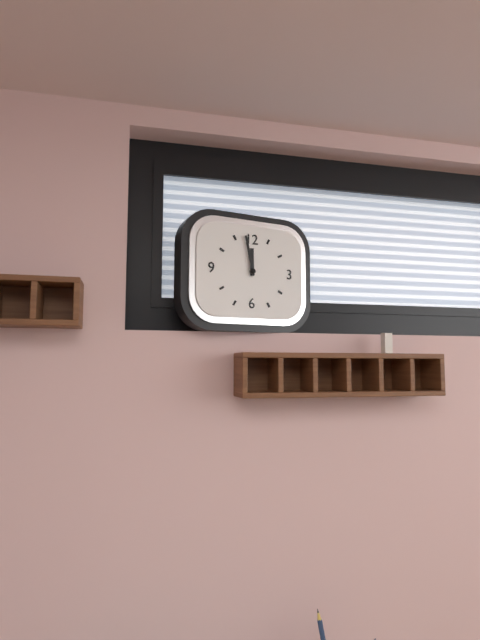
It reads {"hour": 11, "minute": 58}
